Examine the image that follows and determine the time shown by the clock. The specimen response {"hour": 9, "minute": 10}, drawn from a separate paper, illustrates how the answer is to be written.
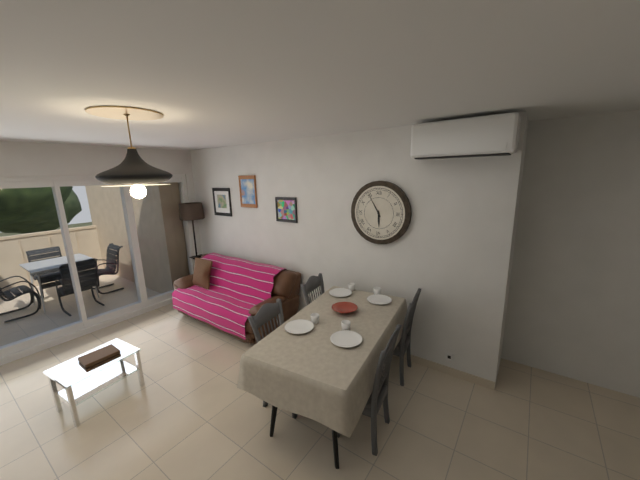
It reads {"hour": 5, "minute": 55}
